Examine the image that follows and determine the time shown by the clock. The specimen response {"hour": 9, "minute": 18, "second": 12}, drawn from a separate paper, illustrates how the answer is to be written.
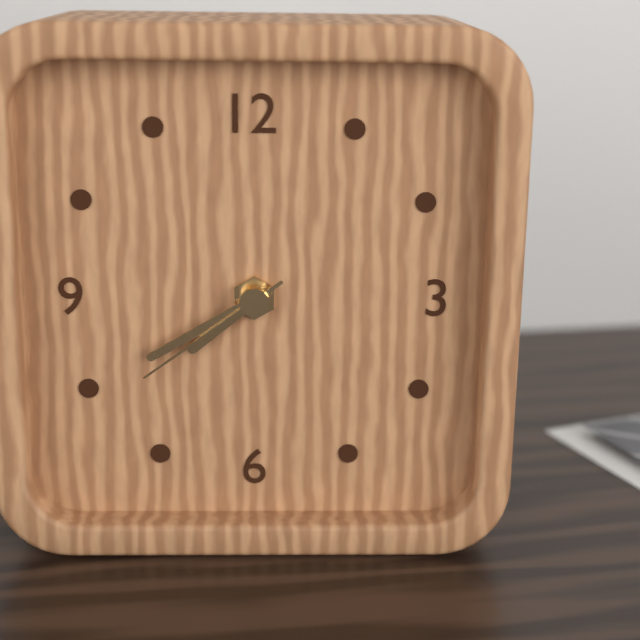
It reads {"hour": 7, "minute": 40, "second": 39}
